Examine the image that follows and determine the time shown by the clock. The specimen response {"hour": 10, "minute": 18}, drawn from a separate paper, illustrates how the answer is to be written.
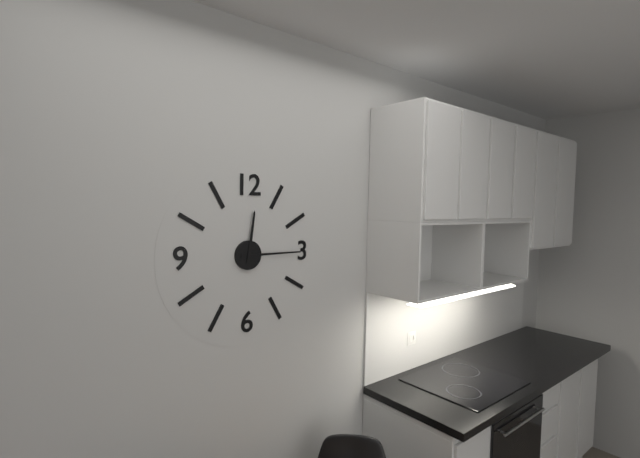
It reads {"hour": 12, "minute": 15}
